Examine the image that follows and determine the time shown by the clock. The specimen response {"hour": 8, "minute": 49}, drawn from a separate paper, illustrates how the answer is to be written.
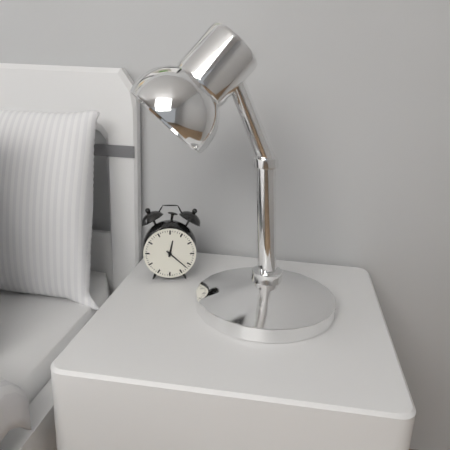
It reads {"hour": 12, "minute": 22}
